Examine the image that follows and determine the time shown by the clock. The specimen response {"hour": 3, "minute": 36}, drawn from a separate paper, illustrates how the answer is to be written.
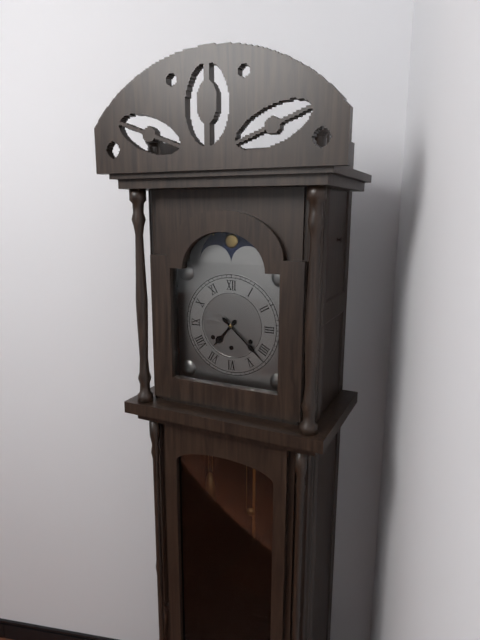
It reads {"hour": 7, "minute": 22}
